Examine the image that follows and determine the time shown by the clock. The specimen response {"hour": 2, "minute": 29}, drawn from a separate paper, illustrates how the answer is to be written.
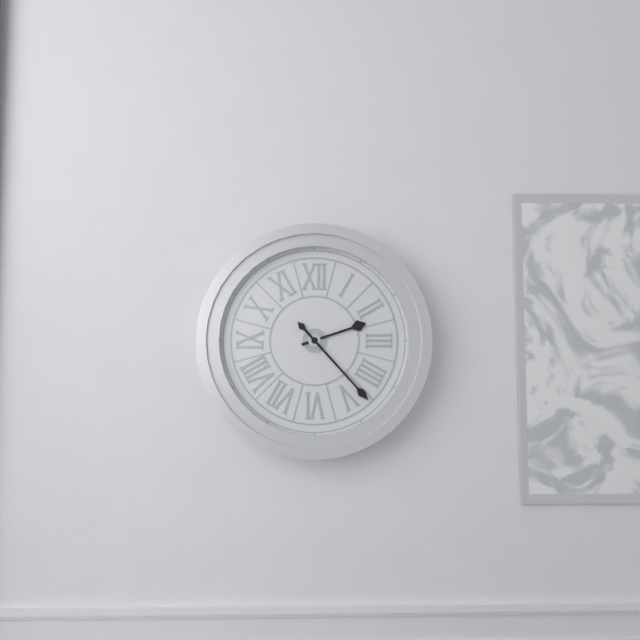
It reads {"hour": 2, "minute": 23}
